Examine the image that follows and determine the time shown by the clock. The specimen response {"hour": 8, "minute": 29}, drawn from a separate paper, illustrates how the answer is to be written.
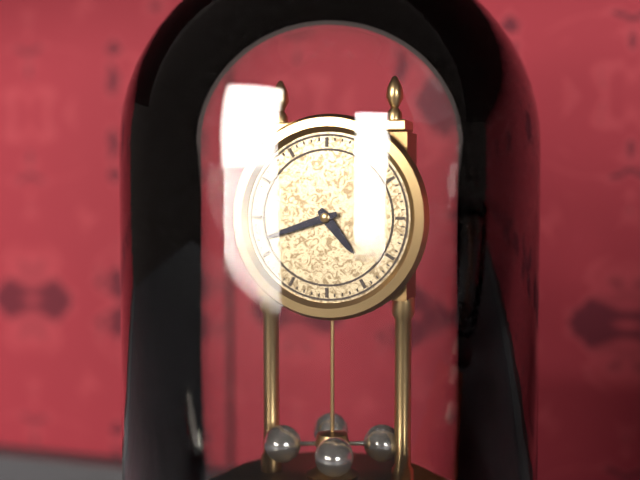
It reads {"hour": 4, "minute": 42}
